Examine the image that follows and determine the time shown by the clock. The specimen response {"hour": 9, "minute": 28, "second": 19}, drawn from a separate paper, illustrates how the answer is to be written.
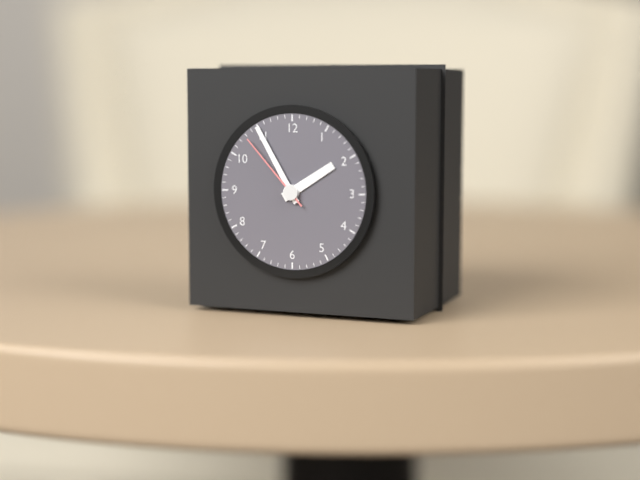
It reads {"hour": 1, "minute": 55, "second": 53}
